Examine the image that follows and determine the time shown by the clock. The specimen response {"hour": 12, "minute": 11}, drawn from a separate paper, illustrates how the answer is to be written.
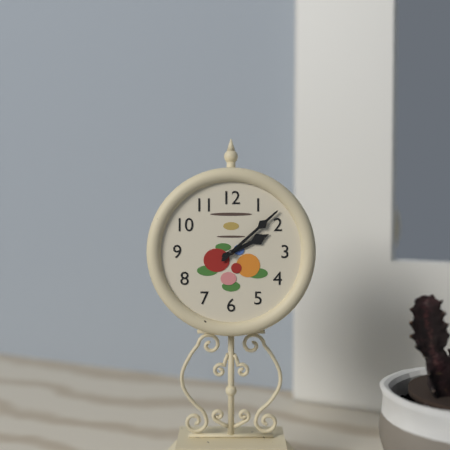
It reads {"hour": 2, "minute": 8}
